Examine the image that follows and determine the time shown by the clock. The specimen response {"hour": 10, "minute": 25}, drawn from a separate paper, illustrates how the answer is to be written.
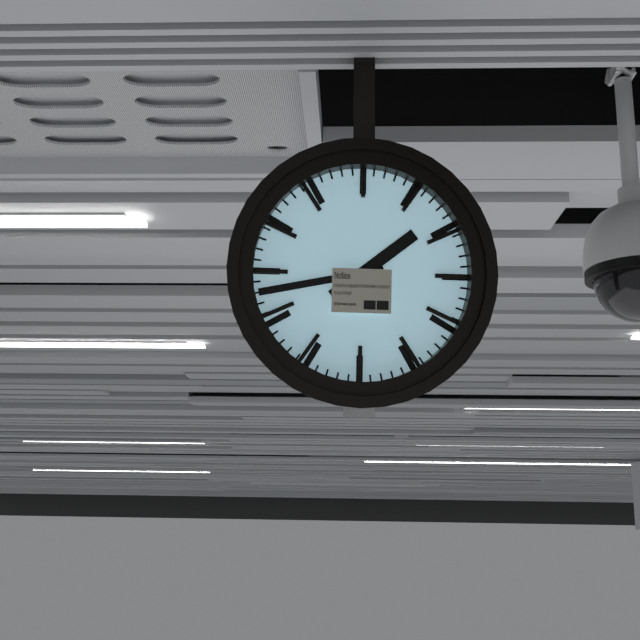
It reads {"hour": 1, "minute": 43}
